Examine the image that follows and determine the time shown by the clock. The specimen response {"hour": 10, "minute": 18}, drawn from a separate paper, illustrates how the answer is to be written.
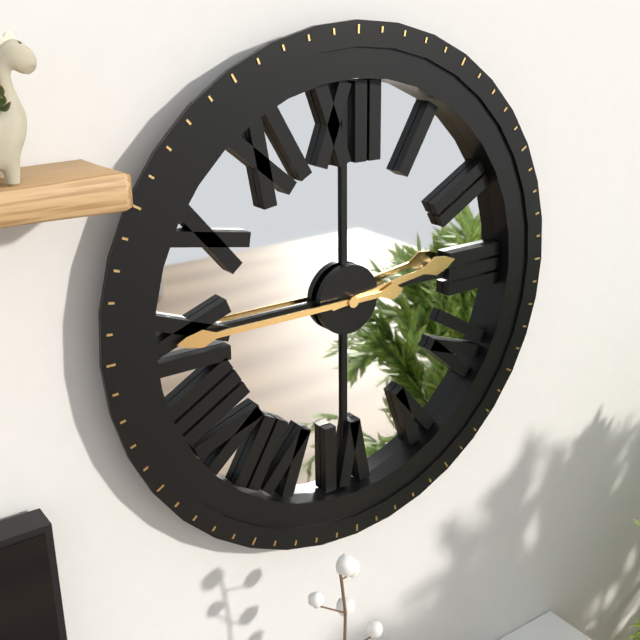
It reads {"hour": 2, "minute": 45}
